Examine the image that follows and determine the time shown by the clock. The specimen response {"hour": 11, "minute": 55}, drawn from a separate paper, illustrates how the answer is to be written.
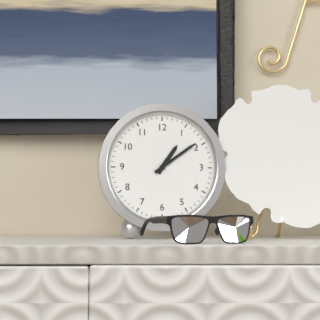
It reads {"hour": 1, "minute": 9}
